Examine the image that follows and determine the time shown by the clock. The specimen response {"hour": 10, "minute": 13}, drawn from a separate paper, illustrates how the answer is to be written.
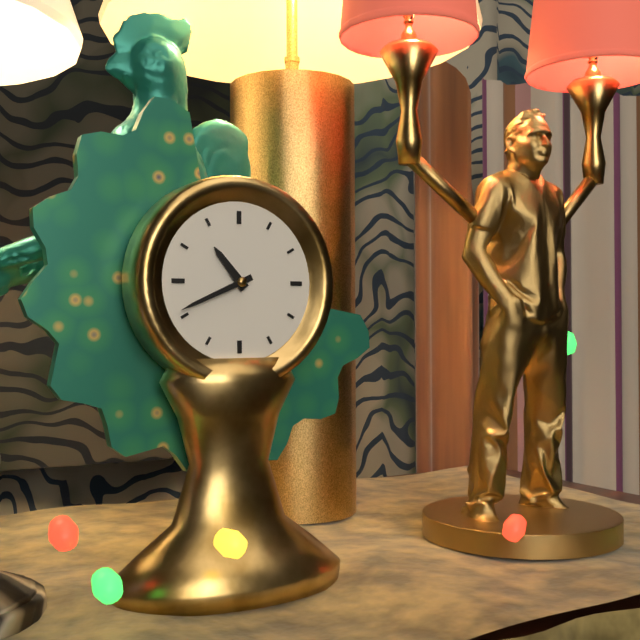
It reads {"hour": 10, "minute": 41}
